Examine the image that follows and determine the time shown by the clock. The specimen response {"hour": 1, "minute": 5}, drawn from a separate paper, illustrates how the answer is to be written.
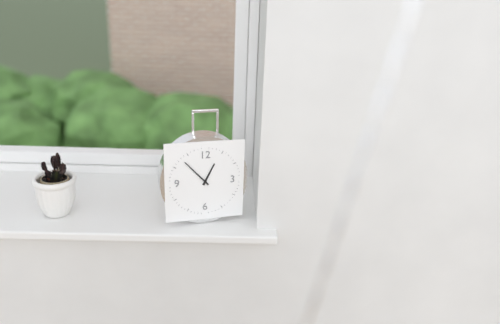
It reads {"hour": 12, "minute": 53}
